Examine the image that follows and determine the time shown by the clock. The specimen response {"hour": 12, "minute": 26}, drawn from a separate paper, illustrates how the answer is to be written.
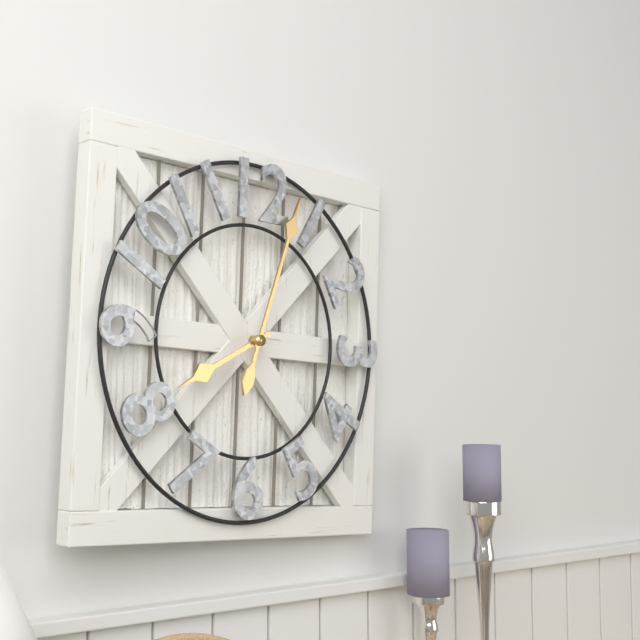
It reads {"hour": 8, "minute": 3}
